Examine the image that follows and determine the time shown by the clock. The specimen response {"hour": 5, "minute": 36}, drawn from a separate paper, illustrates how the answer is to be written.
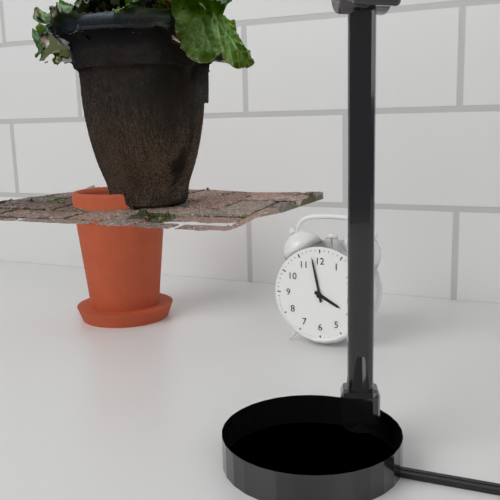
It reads {"hour": 3, "minute": 58}
